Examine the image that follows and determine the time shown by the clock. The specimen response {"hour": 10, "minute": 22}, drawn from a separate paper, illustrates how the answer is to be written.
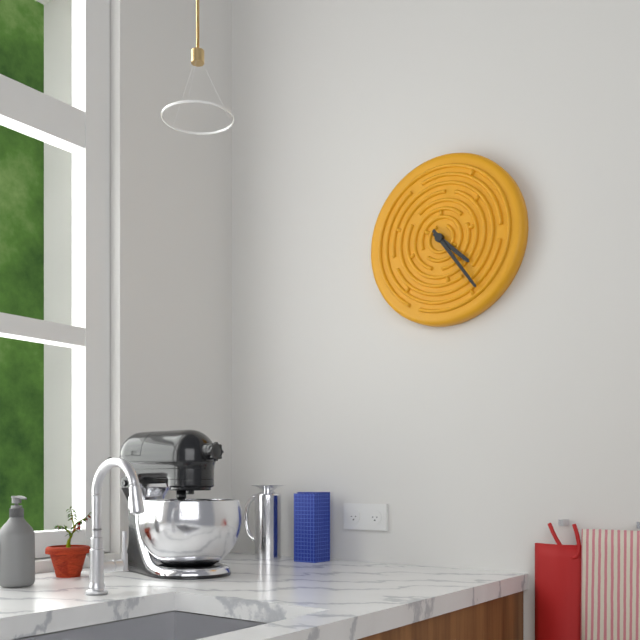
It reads {"hour": 4, "minute": 24}
